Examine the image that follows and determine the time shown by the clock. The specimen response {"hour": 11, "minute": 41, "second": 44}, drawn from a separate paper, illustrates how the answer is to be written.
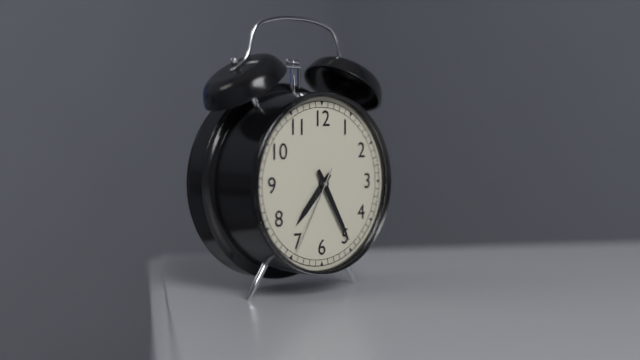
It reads {"hour": 7, "minute": 25, "second": 35}
